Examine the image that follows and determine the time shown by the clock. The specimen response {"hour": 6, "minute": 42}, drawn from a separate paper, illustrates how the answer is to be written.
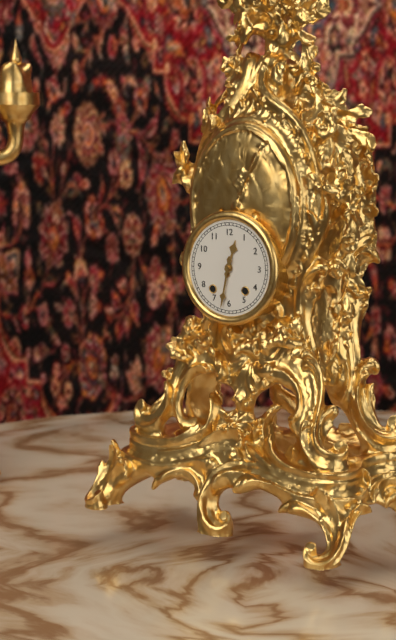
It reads {"hour": 12, "minute": 32}
